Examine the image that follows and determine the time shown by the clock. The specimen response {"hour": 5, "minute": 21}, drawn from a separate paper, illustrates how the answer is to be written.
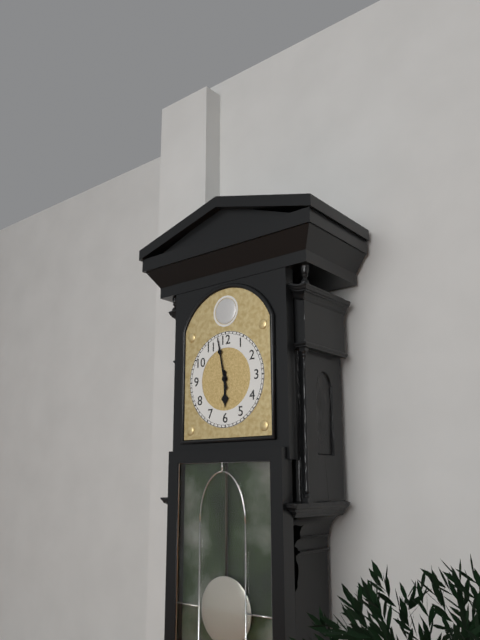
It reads {"hour": 5, "minute": 58}
